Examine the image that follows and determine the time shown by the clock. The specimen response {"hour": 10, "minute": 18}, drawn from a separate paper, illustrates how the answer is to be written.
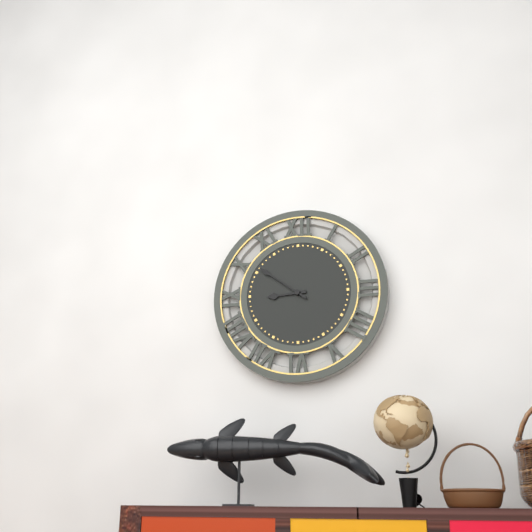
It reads {"hour": 8, "minute": 51}
